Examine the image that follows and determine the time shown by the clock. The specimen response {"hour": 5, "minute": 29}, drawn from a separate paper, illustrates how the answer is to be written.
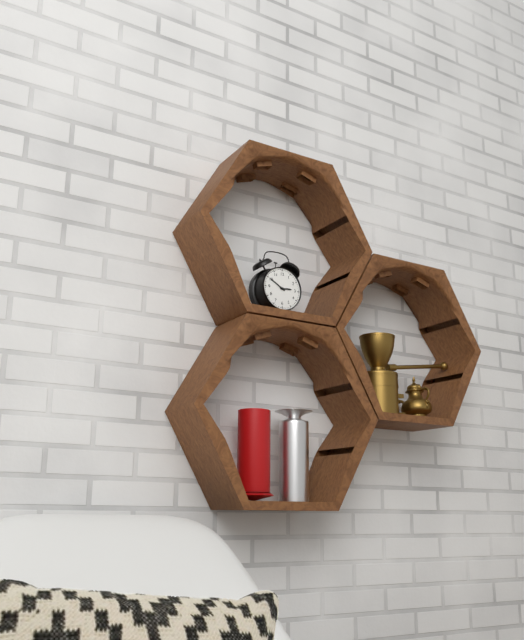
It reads {"hour": 2, "minute": 50}
